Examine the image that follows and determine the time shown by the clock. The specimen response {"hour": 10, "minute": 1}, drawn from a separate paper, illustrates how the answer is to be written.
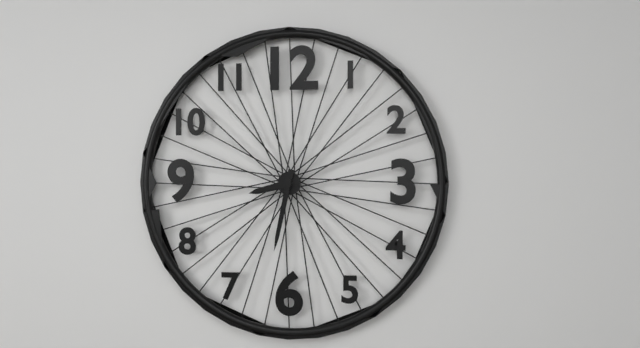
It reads {"hour": 8, "minute": 32}
